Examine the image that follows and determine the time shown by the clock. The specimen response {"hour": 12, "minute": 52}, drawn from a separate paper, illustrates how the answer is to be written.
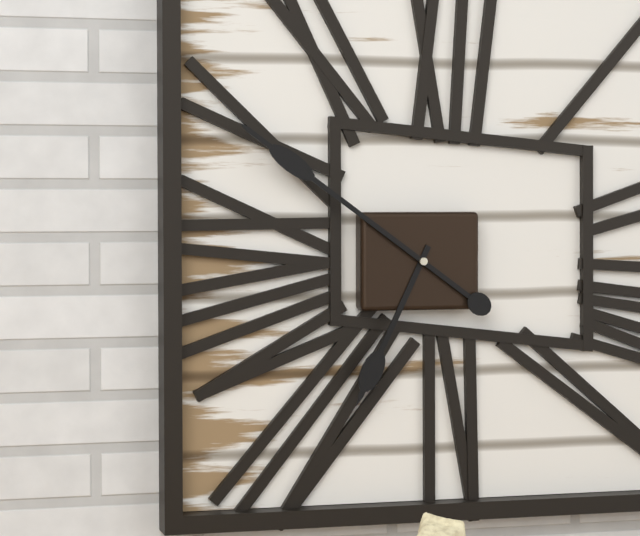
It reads {"hour": 6, "minute": 51}
